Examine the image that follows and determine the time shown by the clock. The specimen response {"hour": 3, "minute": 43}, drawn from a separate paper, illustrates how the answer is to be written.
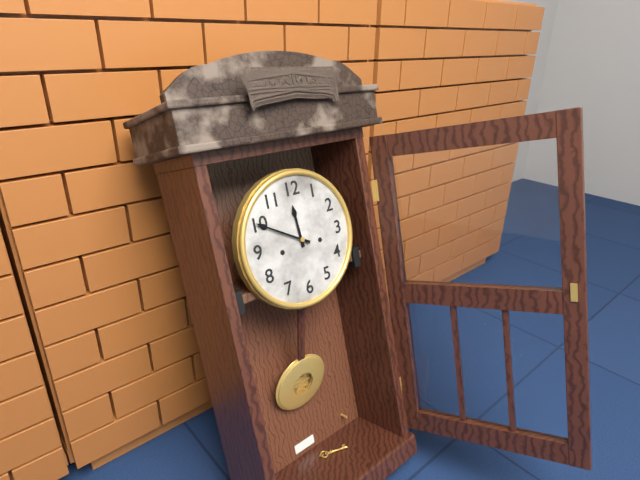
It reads {"hour": 11, "minute": 50}
